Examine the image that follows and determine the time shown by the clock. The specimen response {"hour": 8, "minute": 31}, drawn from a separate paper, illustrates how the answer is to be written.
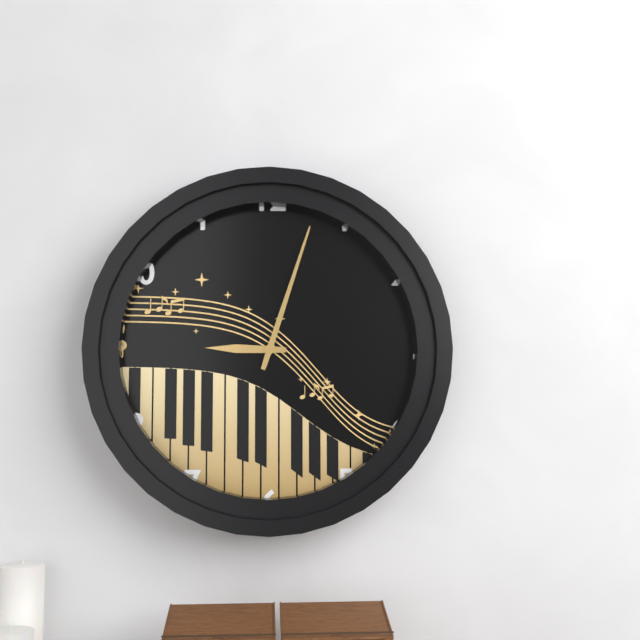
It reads {"hour": 9, "minute": 3}
